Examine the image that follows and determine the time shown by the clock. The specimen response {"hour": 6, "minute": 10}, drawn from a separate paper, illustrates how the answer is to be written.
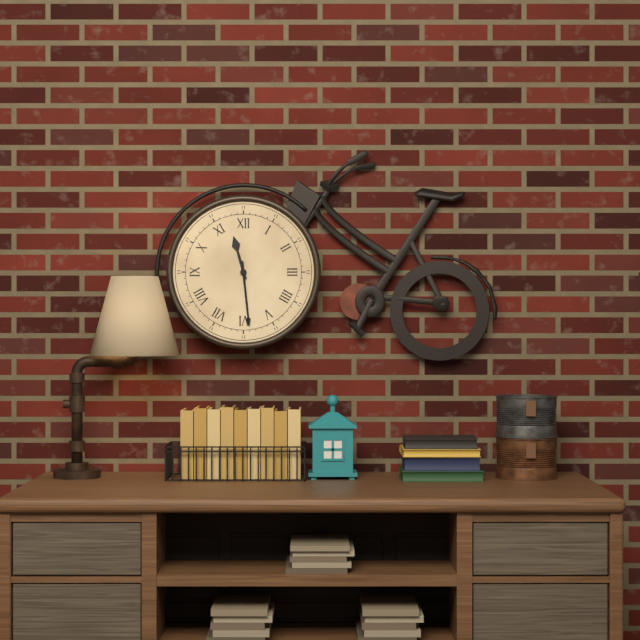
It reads {"hour": 11, "minute": 29}
